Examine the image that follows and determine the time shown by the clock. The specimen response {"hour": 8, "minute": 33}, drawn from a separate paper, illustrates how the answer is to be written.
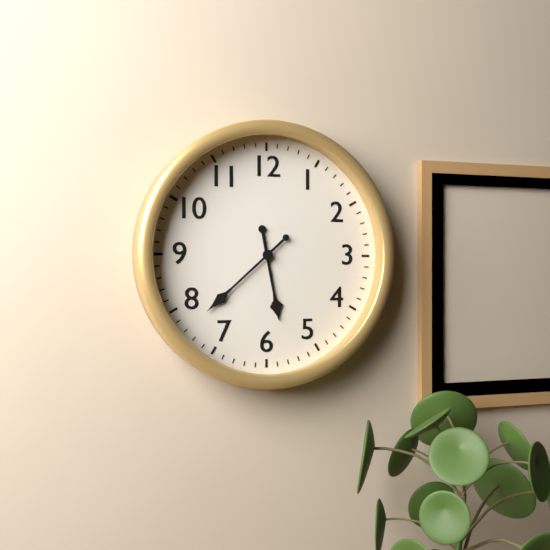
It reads {"hour": 5, "minute": 38}
